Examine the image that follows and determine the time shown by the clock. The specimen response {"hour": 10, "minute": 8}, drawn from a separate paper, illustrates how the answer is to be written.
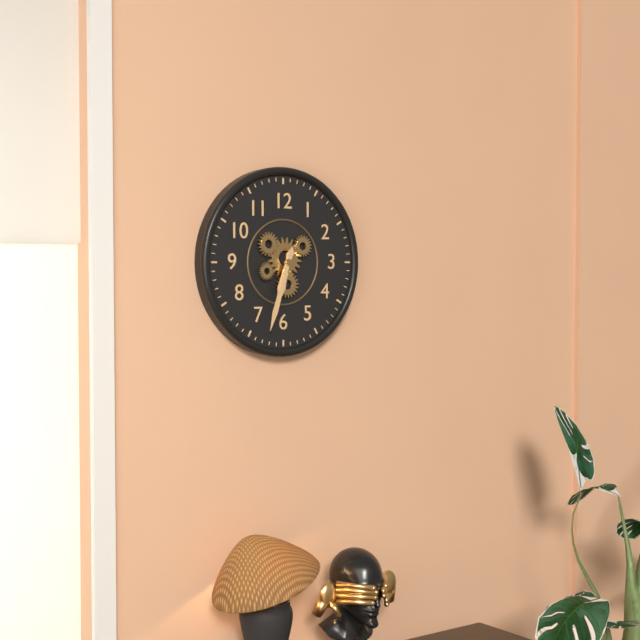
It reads {"hour": 6, "minute": 33}
